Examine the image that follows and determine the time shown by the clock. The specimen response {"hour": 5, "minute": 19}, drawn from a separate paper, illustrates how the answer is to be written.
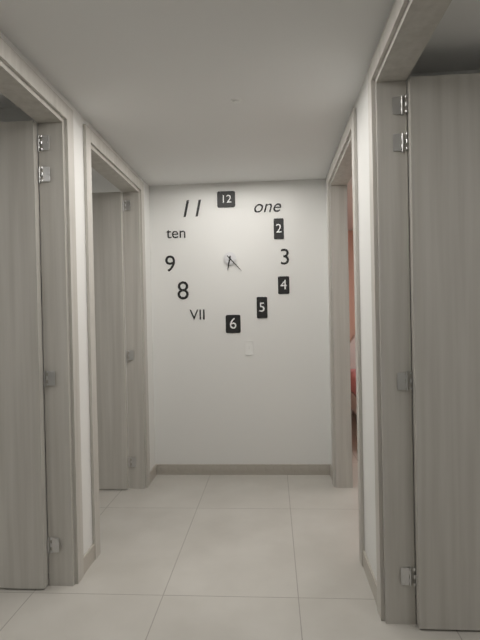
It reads {"hour": 6, "minute": 23}
